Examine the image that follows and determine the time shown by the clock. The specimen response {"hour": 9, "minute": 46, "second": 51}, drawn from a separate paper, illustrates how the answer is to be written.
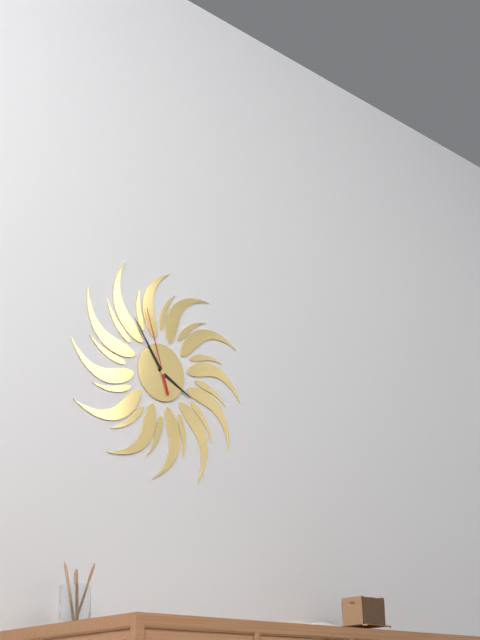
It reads {"hour": 3, "minute": 54, "second": 57}
